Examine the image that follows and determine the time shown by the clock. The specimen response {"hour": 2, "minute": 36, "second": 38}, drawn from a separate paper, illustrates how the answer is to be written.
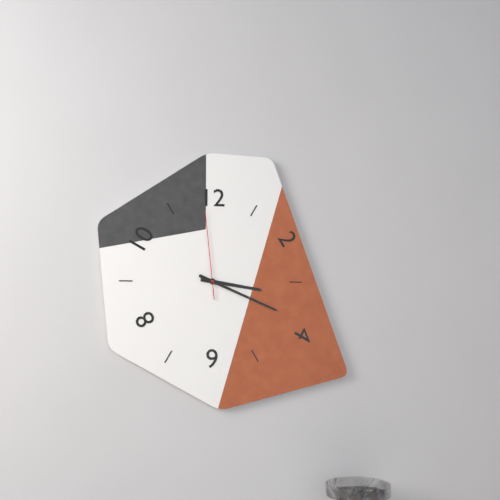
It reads {"hour": 3, "minute": 19, "second": 59}
